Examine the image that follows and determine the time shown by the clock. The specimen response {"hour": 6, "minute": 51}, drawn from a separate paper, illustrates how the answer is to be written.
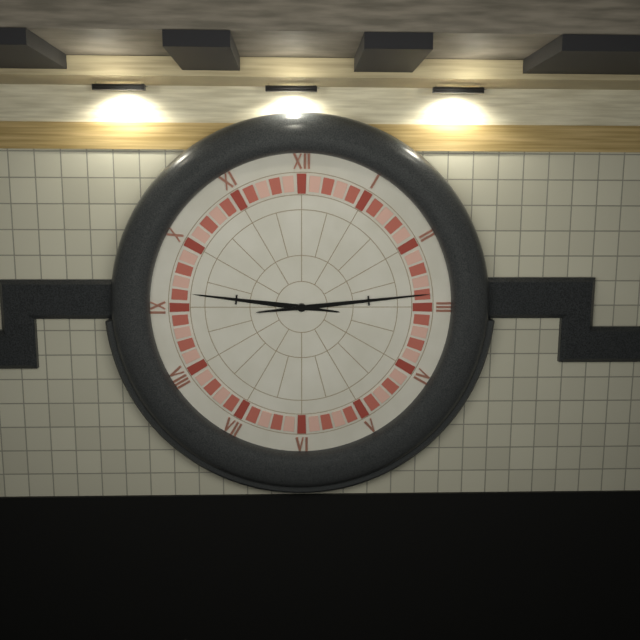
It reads {"hour": 9, "minute": 14}
